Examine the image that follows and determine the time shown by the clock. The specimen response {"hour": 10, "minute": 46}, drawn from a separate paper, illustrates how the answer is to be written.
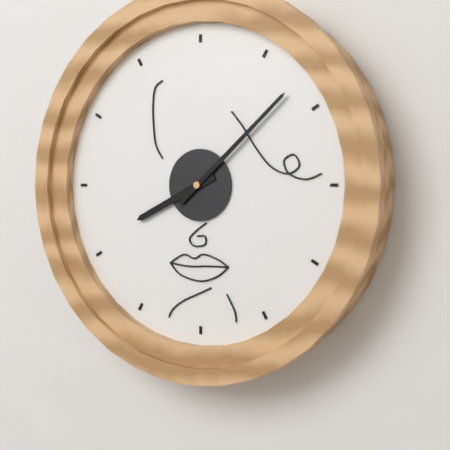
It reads {"hour": 8, "minute": 8}
